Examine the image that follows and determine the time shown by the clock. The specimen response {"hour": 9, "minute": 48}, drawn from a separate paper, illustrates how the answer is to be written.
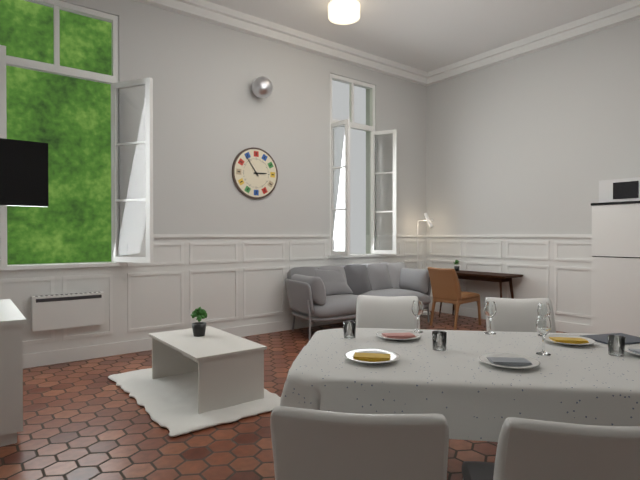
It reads {"hour": 2, "minute": 54}
